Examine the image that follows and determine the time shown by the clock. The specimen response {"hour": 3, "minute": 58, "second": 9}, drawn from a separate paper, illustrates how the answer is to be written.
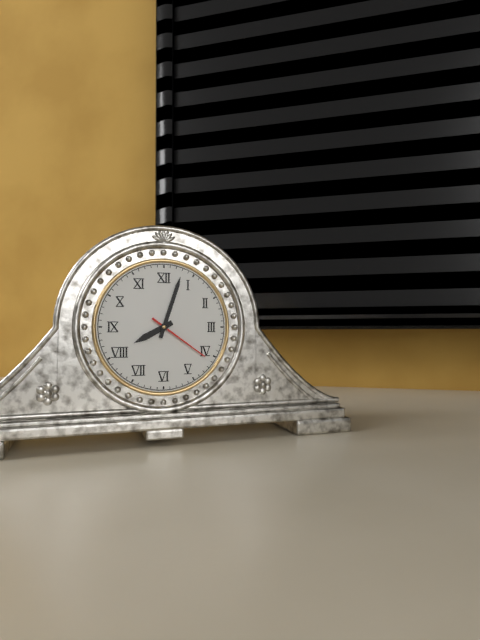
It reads {"hour": 8, "minute": 3, "second": 21}
